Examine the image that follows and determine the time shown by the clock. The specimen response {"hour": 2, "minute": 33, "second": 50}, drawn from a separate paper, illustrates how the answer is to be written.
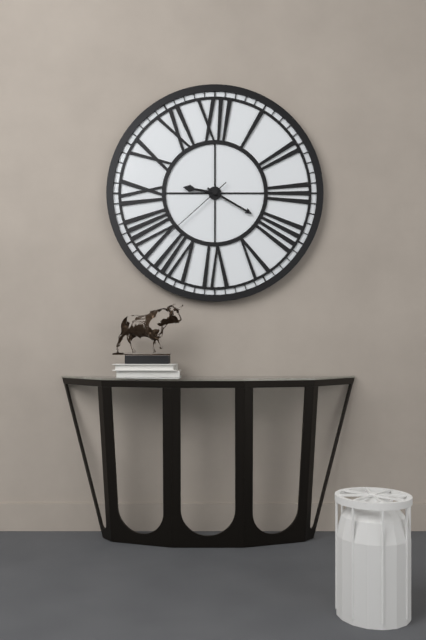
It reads {"hour": 9, "minute": 20, "second": 38}
